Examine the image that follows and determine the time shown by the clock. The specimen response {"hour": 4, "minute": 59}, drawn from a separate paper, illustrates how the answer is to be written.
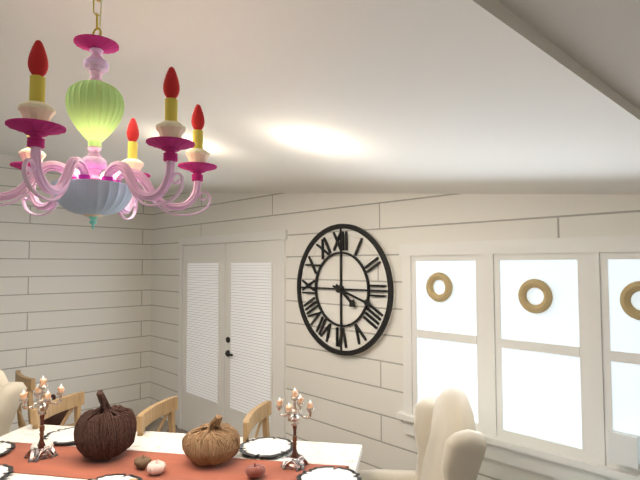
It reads {"hour": 4, "minute": 18}
